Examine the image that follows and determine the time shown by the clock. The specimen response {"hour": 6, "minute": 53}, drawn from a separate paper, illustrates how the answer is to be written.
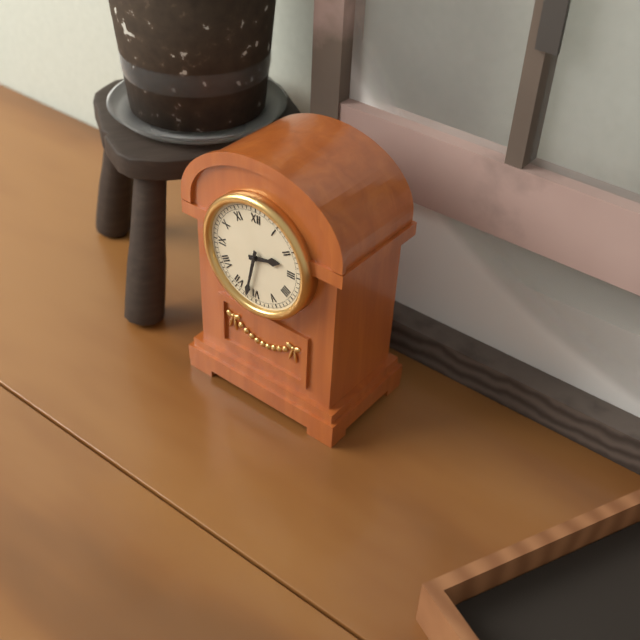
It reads {"hour": 2, "minute": 32}
